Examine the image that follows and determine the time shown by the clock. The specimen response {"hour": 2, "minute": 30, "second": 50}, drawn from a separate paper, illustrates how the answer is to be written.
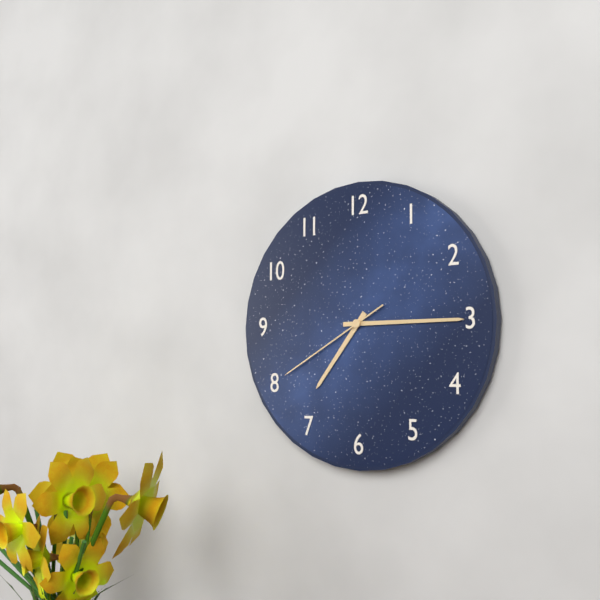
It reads {"hour": 7, "minute": 15, "second": 40}
